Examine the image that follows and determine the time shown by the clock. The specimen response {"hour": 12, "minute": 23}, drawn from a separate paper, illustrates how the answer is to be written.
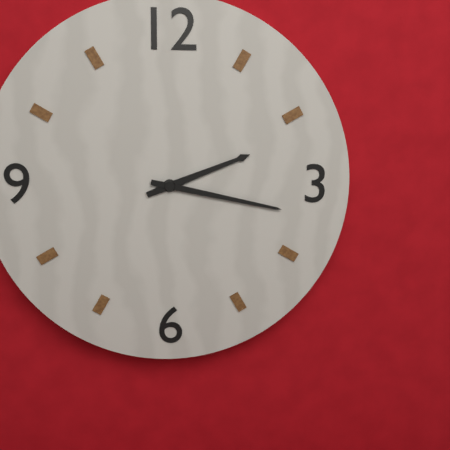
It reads {"hour": 2, "minute": 17}
